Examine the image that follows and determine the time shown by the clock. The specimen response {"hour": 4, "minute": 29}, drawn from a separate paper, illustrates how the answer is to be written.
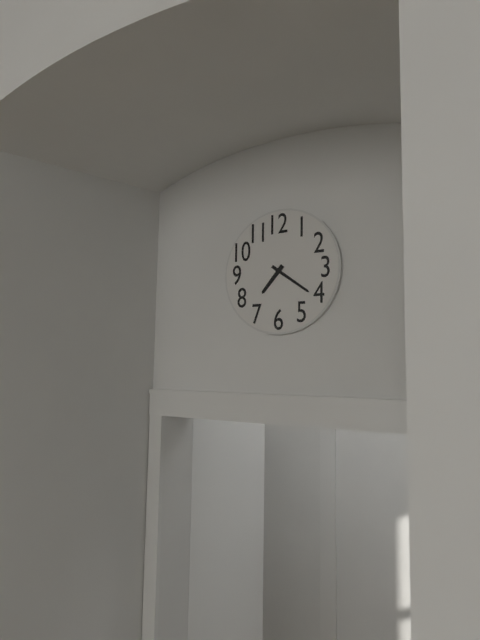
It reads {"hour": 7, "minute": 21}
